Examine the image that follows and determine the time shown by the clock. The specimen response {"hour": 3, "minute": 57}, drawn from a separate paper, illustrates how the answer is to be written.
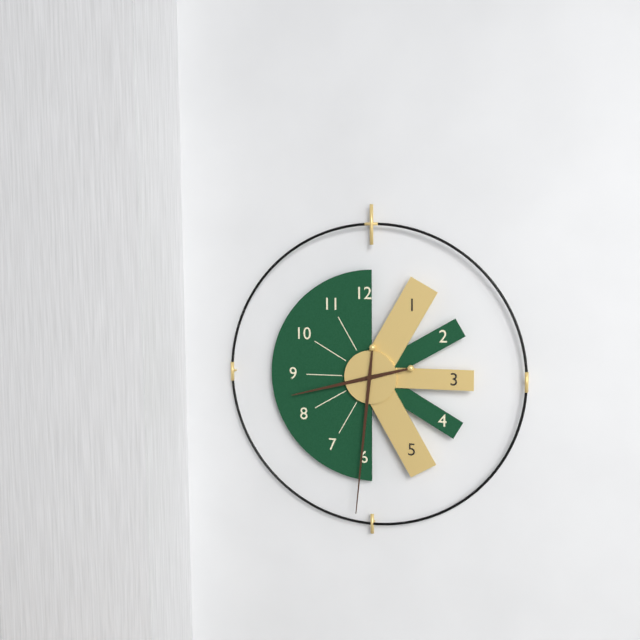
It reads {"hour": 8, "minute": 31}
